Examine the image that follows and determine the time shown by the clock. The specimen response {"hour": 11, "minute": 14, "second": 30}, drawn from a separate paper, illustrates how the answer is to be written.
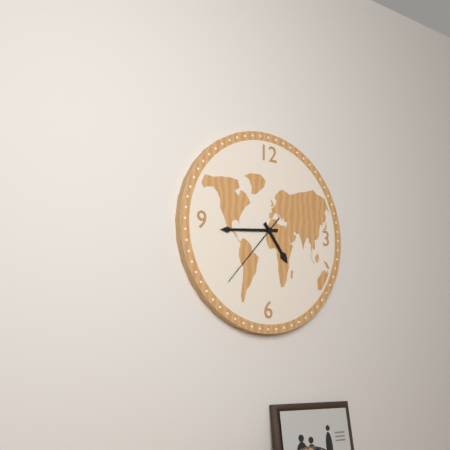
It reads {"hour": 4, "minute": 44, "second": 37}
